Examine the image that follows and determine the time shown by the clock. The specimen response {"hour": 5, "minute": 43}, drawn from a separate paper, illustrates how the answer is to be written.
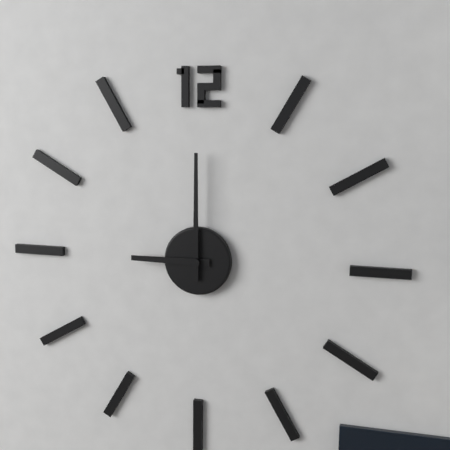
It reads {"hour": 9, "minute": 0}
